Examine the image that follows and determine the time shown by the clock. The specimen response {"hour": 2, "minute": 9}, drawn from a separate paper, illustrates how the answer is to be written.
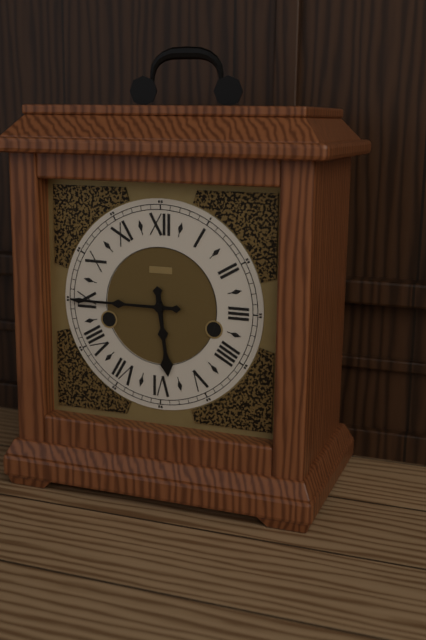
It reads {"hour": 5, "minute": 45}
